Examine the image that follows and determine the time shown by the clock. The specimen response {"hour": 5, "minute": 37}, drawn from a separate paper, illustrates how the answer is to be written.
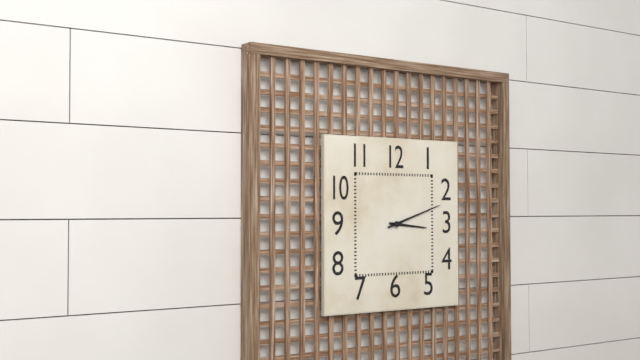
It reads {"hour": 3, "minute": 12}
